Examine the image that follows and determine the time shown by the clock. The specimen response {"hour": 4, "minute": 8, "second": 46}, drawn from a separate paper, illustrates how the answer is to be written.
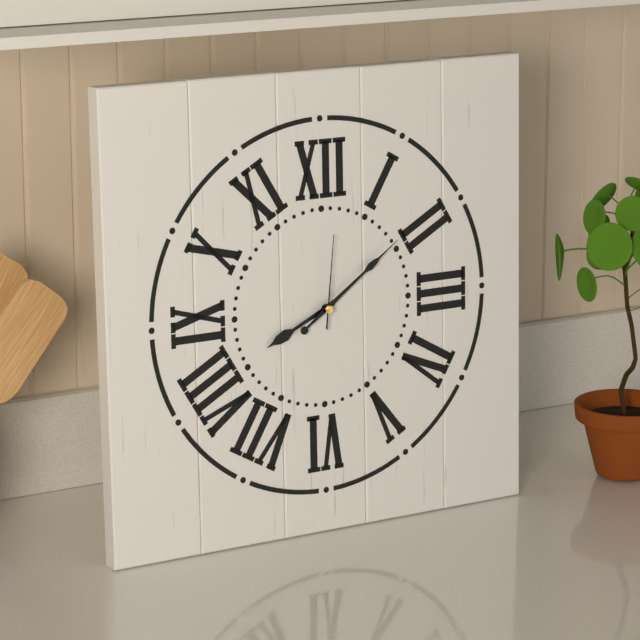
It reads {"hour": 8, "minute": 9, "second": 1}
